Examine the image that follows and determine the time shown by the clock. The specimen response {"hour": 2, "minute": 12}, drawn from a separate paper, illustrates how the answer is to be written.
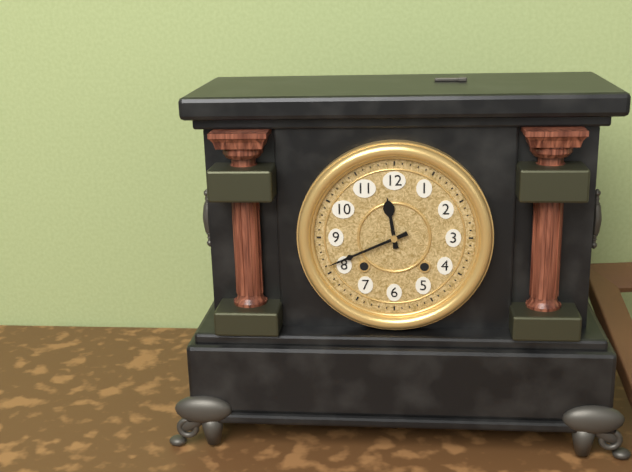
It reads {"hour": 11, "minute": 41}
